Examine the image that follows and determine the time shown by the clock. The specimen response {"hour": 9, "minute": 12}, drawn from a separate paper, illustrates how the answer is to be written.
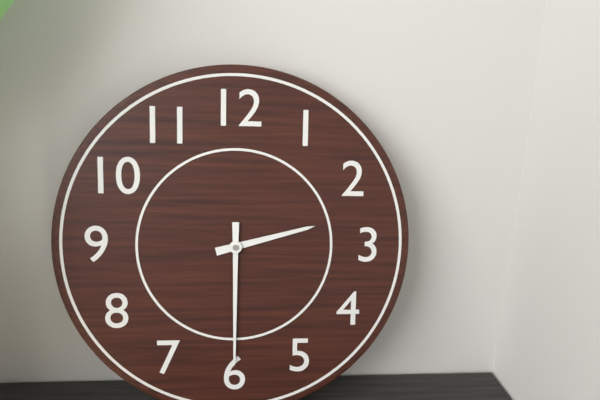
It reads {"hour": 2, "minute": 30}
